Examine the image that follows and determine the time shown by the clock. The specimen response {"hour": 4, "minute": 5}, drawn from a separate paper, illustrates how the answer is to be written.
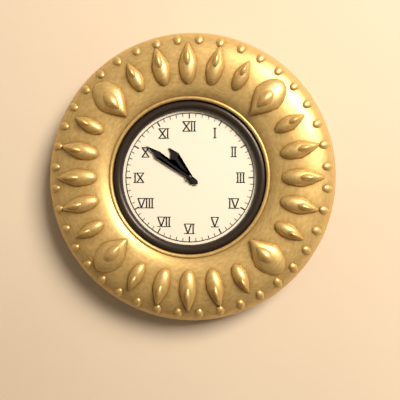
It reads {"hour": 10, "minute": 51}
